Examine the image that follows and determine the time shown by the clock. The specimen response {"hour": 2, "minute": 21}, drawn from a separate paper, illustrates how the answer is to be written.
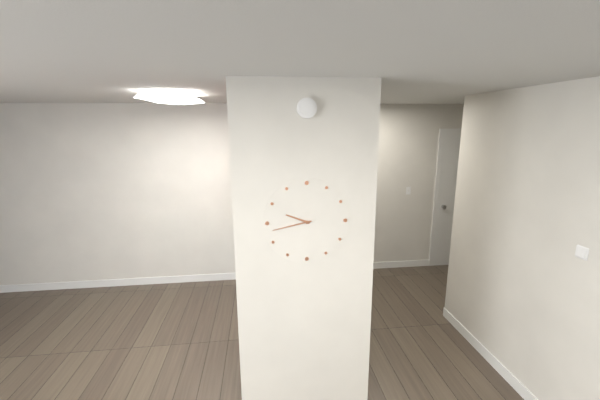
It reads {"hour": 9, "minute": 43}
